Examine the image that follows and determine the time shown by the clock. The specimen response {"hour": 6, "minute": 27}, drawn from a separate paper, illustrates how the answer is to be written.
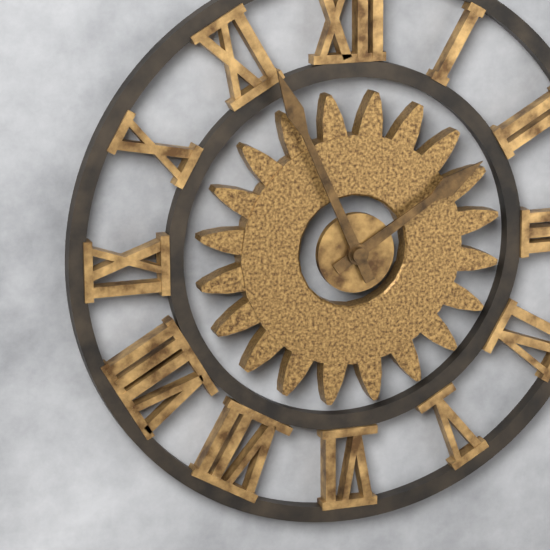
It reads {"hour": 1, "minute": 56}
